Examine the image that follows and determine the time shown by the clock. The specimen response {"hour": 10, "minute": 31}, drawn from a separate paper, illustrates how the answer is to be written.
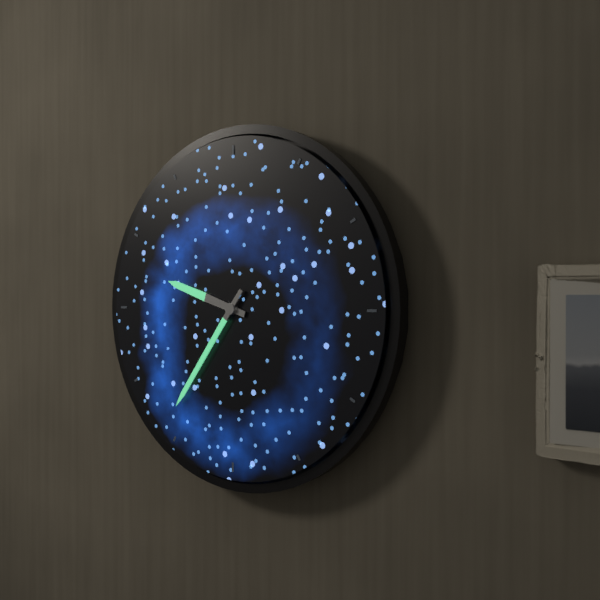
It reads {"hour": 9, "minute": 36}
